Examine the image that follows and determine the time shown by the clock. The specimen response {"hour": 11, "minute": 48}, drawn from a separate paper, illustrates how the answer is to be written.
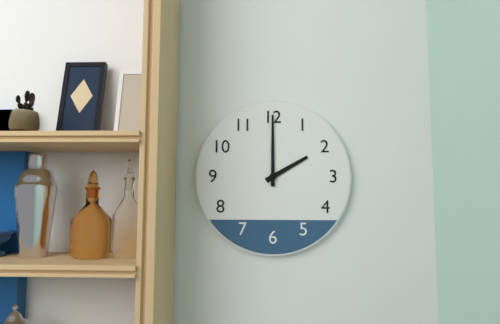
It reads {"hour": 2, "minute": 0}
